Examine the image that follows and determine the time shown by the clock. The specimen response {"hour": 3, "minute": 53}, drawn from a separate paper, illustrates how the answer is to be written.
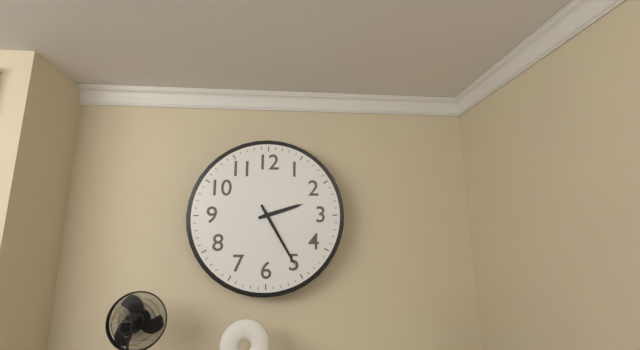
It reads {"hour": 2, "minute": 25}
